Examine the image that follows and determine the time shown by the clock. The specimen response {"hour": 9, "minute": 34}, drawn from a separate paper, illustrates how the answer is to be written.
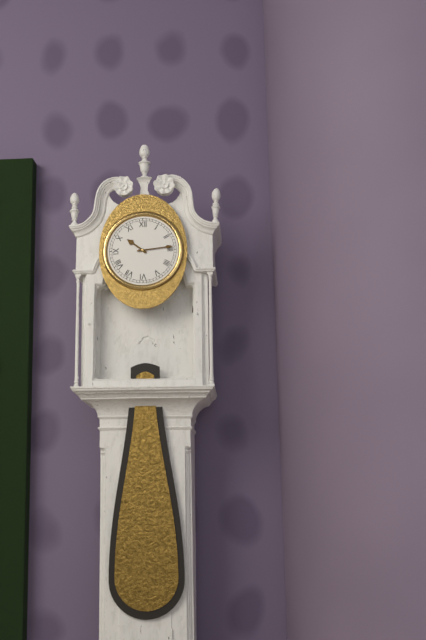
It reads {"hour": 10, "minute": 14}
